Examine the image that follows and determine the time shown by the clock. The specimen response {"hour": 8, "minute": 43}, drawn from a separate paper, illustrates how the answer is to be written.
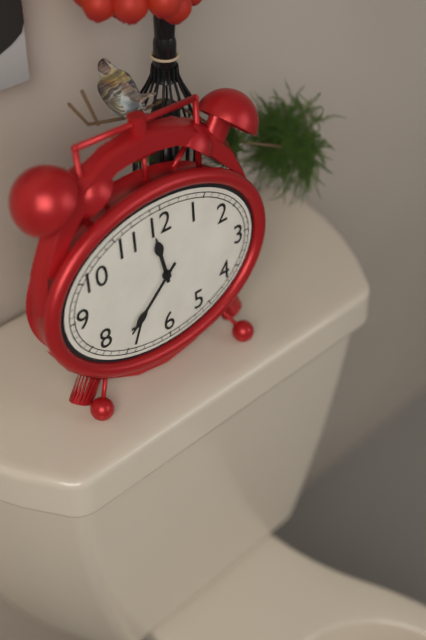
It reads {"hour": 11, "minute": 38}
